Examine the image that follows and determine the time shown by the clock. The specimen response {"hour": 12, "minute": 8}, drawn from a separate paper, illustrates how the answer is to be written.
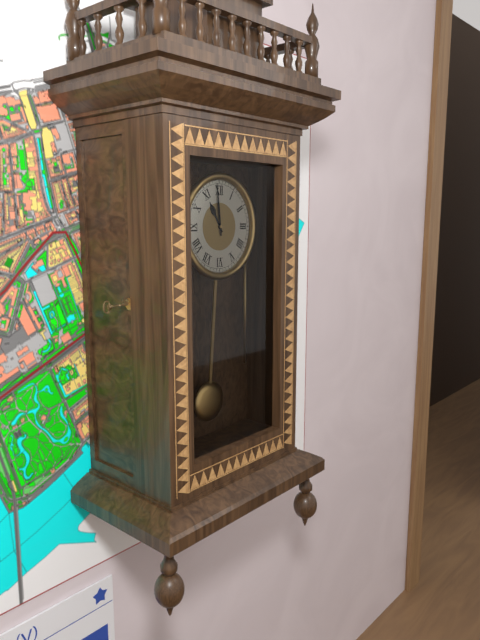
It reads {"hour": 10, "minute": 59}
